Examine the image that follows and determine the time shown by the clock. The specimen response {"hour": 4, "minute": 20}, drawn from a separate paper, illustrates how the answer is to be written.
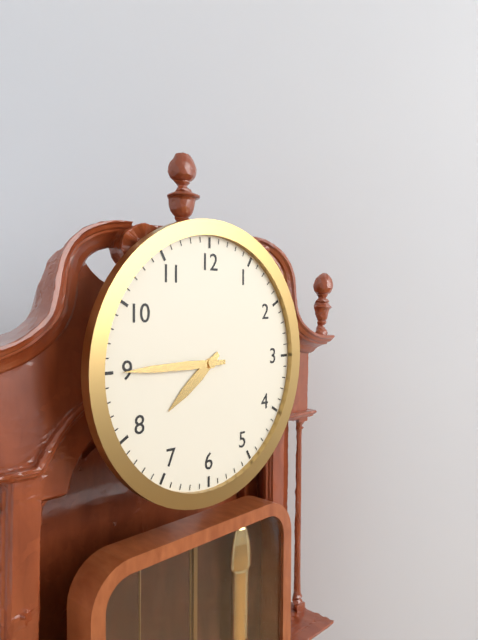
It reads {"hour": 7, "minute": 45}
